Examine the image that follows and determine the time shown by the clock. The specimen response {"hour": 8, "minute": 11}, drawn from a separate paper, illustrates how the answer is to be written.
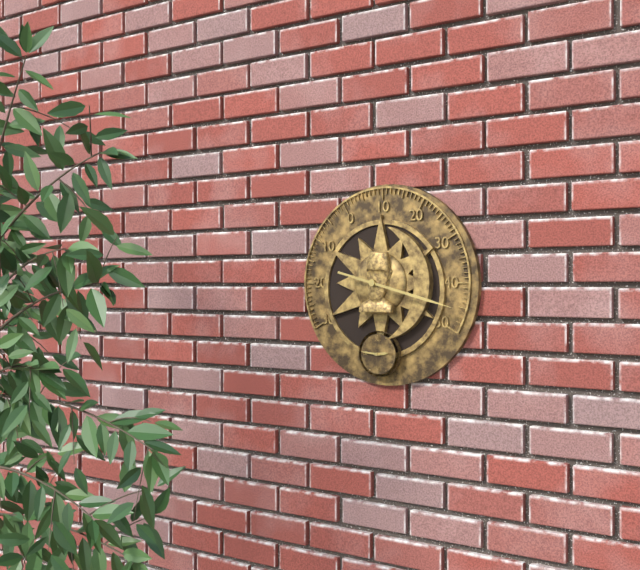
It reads {"hour": 2, "minute": 46}
